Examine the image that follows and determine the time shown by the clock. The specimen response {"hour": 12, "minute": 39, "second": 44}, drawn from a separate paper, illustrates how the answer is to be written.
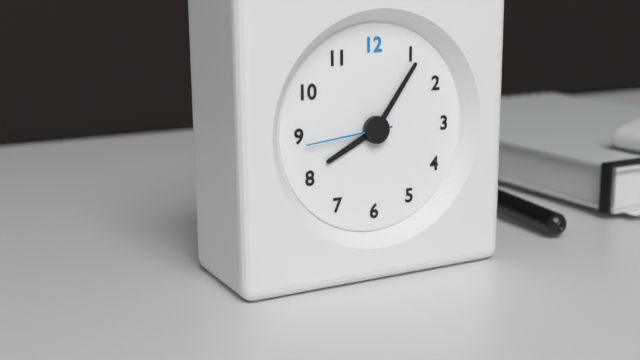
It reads {"hour": 8, "minute": 6, "second": 44}
